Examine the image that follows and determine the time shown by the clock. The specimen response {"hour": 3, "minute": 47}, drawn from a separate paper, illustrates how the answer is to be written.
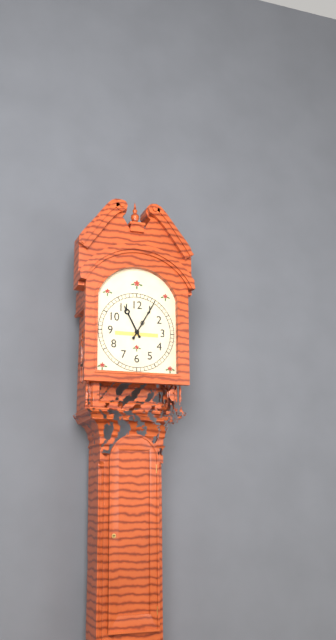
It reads {"hour": 11, "minute": 5}
